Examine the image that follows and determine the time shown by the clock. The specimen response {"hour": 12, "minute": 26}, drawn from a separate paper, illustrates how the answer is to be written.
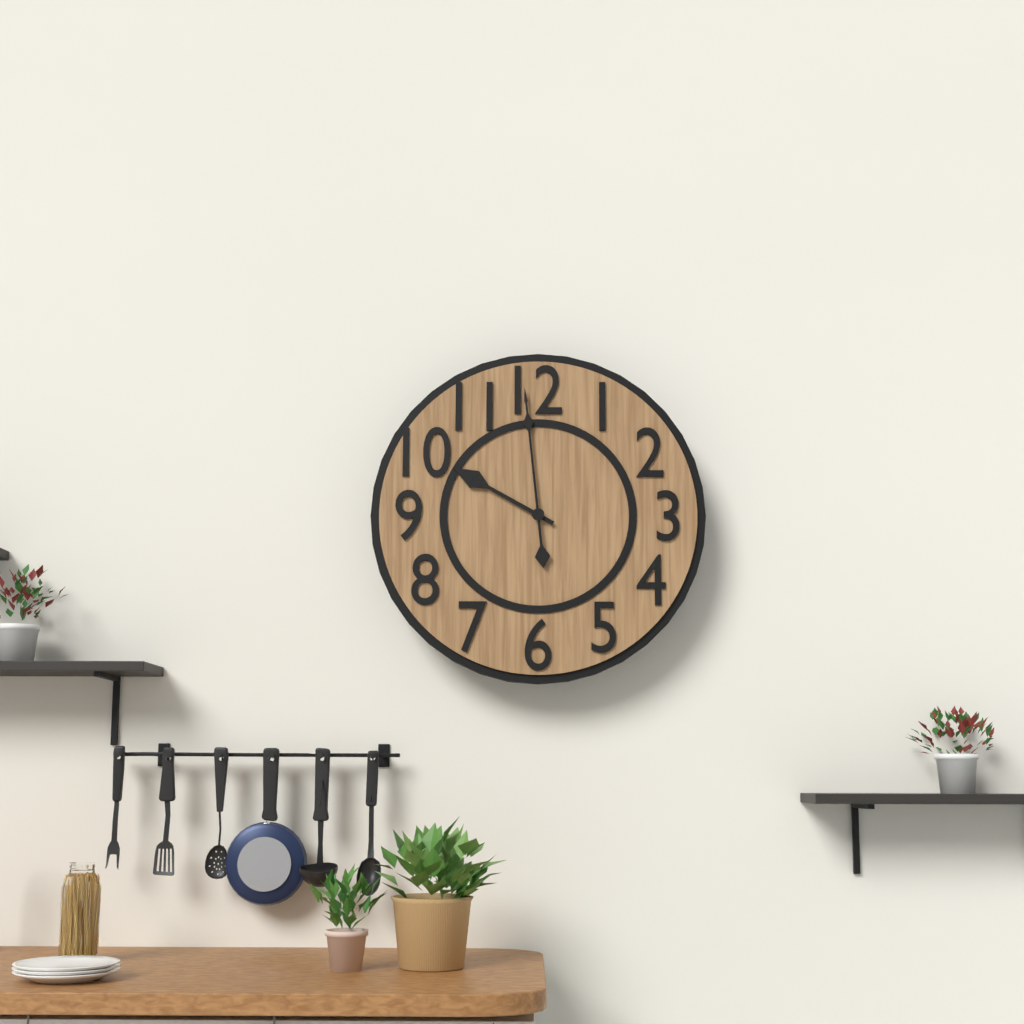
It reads {"hour": 9, "minute": 59}
